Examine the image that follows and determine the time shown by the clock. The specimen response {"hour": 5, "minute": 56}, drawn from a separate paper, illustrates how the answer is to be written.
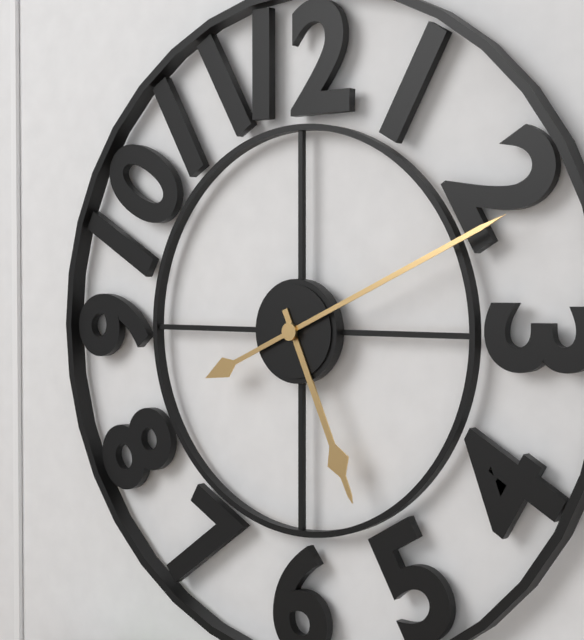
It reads {"hour": 5, "minute": 11}
